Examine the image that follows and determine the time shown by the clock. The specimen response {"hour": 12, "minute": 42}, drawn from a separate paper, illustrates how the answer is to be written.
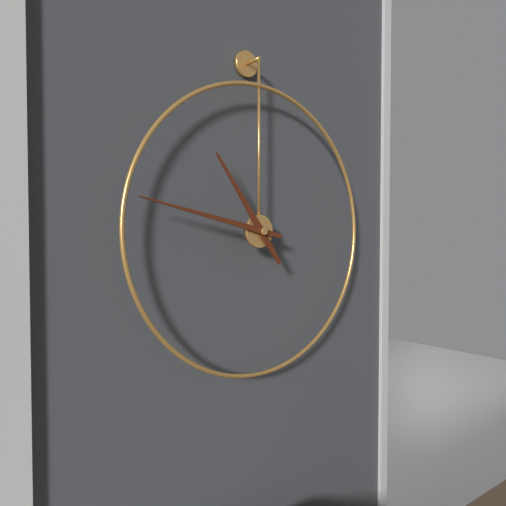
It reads {"hour": 10, "minute": 47}
